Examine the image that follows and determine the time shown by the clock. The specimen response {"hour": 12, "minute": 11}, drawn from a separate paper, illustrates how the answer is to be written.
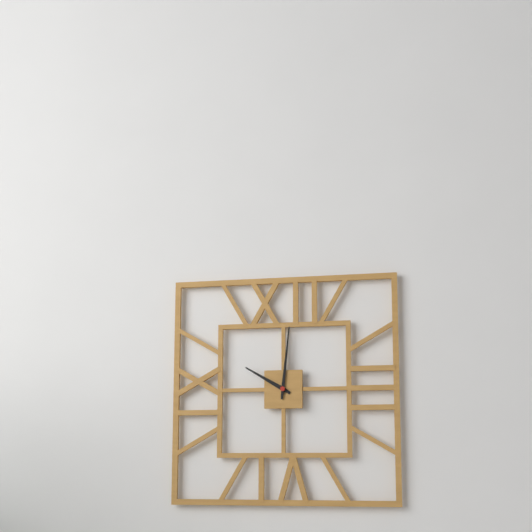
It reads {"hour": 10, "minute": 1}
